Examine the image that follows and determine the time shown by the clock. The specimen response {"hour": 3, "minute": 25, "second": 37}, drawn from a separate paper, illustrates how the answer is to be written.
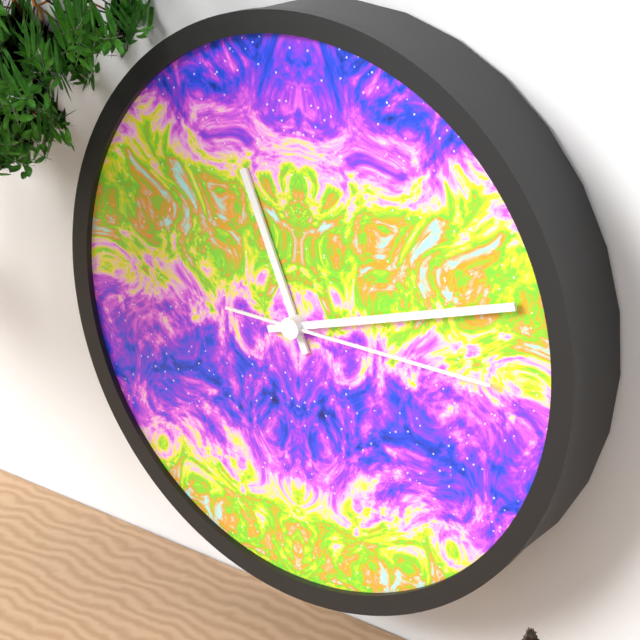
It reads {"hour": 11, "minute": 12, "second": 15}
